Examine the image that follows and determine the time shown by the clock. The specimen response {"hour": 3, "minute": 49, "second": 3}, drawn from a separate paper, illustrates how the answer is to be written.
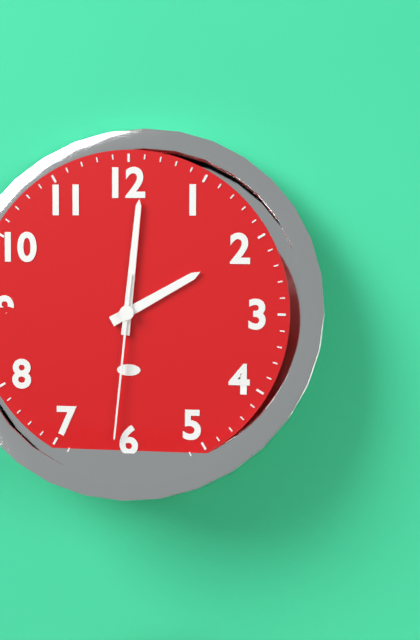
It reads {"hour": 2, "minute": 1, "second": 31}
